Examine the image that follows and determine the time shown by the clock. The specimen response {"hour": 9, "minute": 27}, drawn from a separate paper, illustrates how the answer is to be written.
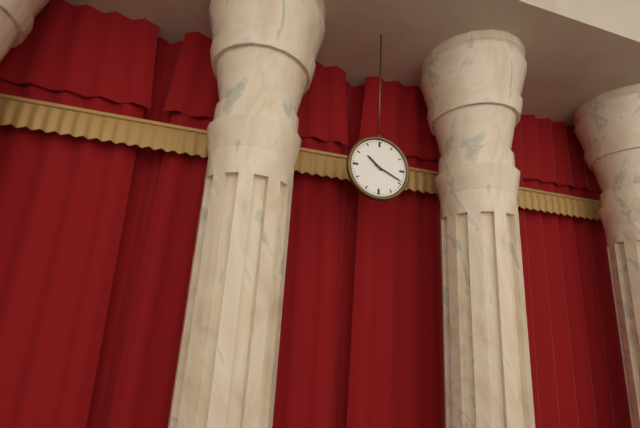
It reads {"hour": 10, "minute": 19}
